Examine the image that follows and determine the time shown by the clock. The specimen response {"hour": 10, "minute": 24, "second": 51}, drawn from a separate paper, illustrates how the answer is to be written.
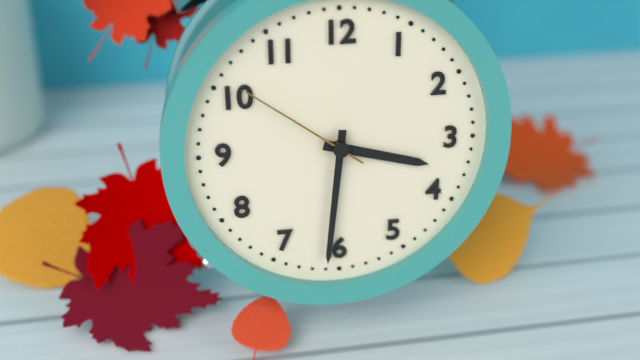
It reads {"hour": 3, "minute": 31, "second": 51}
